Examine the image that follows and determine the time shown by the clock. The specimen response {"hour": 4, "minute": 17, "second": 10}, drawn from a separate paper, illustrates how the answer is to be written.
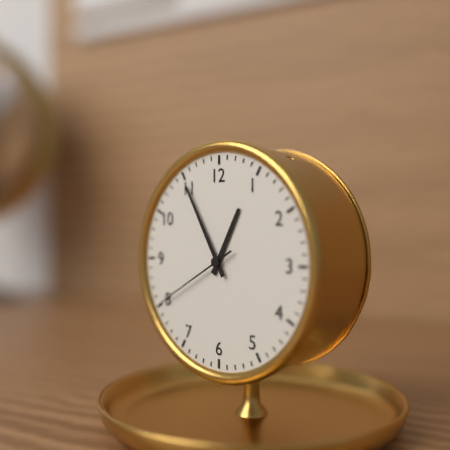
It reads {"hour": 12, "minute": 55, "second": 40}
